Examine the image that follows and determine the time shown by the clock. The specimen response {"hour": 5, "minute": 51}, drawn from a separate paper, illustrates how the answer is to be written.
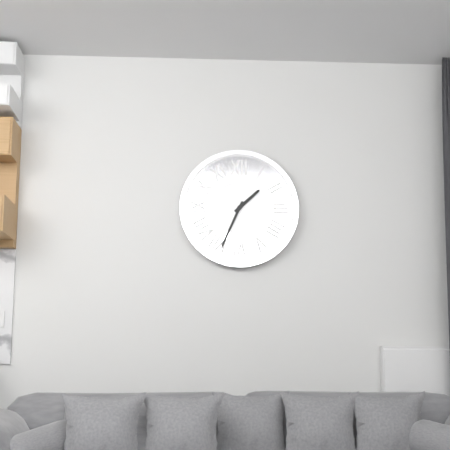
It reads {"hour": 1, "minute": 34}
